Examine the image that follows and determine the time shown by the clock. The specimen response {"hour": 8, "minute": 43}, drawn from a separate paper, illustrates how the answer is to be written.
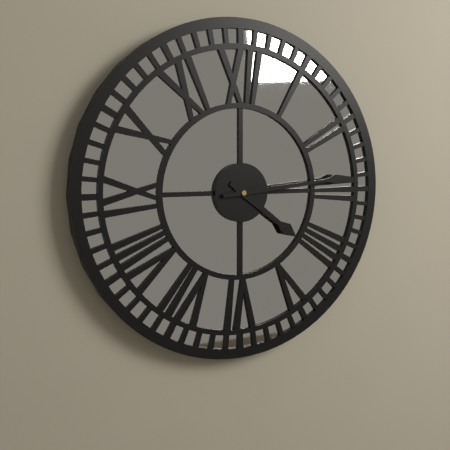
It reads {"hour": 4, "minute": 14}
